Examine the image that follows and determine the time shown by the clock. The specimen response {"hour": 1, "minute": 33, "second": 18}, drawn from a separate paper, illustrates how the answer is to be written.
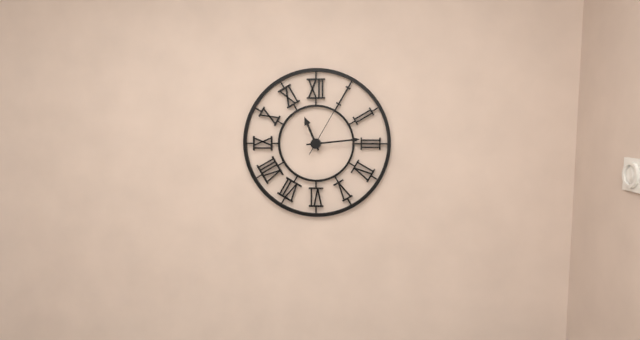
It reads {"hour": 11, "minute": 14, "second": 5}
